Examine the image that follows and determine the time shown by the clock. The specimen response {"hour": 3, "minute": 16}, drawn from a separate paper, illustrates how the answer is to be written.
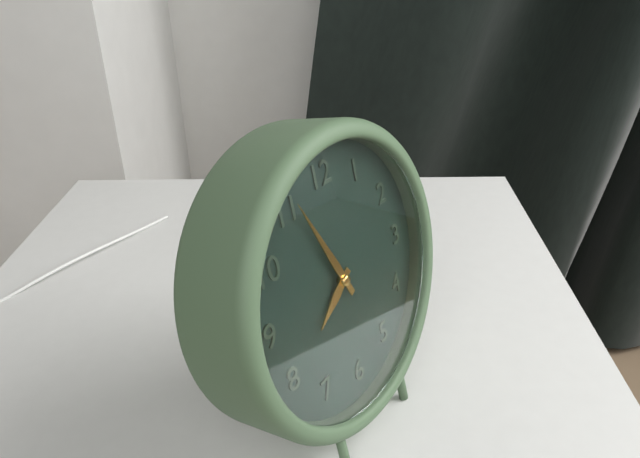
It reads {"hour": 7, "minute": 56}
